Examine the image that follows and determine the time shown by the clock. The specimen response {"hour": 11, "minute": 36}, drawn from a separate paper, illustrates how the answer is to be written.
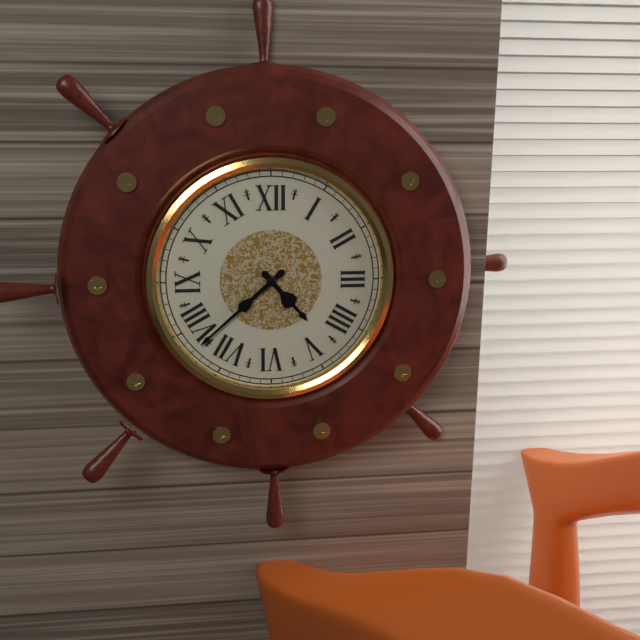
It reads {"hour": 4, "minute": 38}
